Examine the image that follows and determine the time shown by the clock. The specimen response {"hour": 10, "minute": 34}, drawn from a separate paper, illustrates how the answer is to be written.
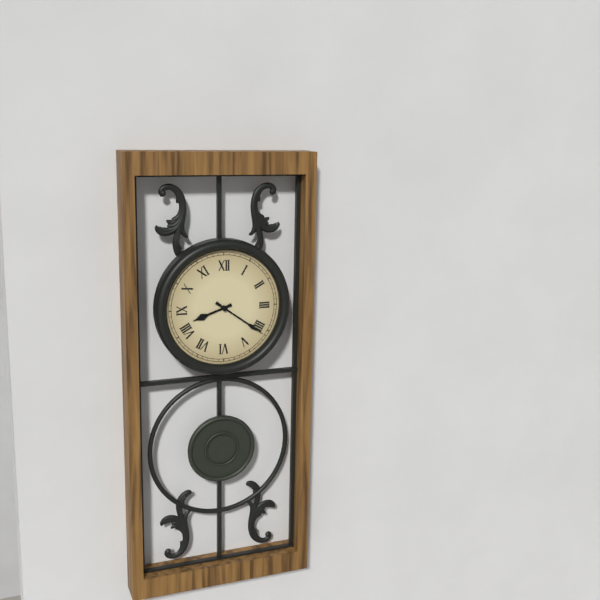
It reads {"hour": 8, "minute": 21}
